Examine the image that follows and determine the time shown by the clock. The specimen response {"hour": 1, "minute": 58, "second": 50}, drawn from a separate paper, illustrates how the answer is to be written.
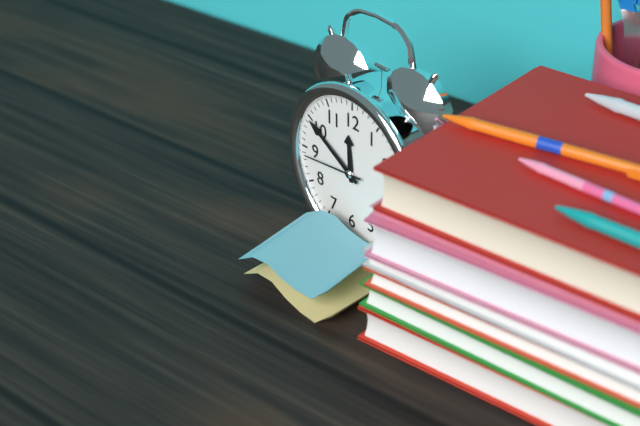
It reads {"hour": 11, "minute": 50, "second": 44}
